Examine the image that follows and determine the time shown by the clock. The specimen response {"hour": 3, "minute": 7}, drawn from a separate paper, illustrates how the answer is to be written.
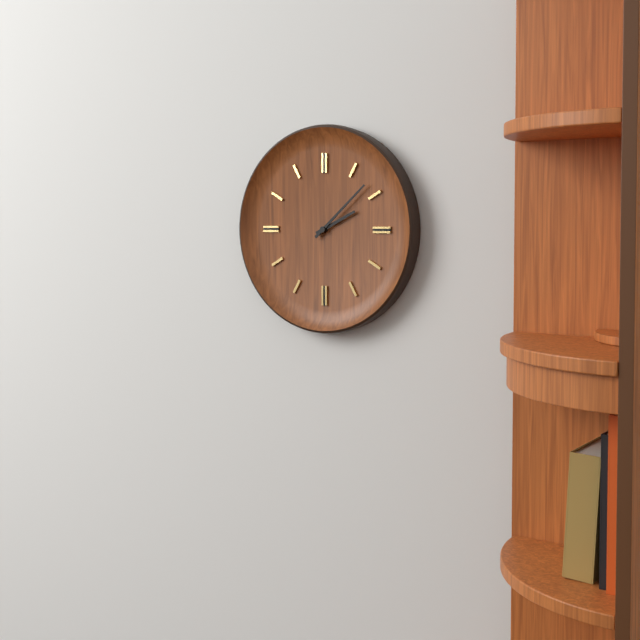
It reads {"hour": 2, "minute": 8}
